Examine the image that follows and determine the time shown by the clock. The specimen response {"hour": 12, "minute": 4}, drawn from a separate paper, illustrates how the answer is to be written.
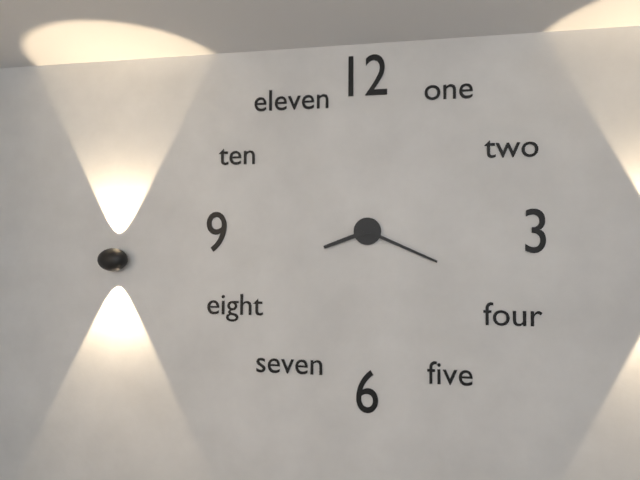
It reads {"hour": 8, "minute": 19}
